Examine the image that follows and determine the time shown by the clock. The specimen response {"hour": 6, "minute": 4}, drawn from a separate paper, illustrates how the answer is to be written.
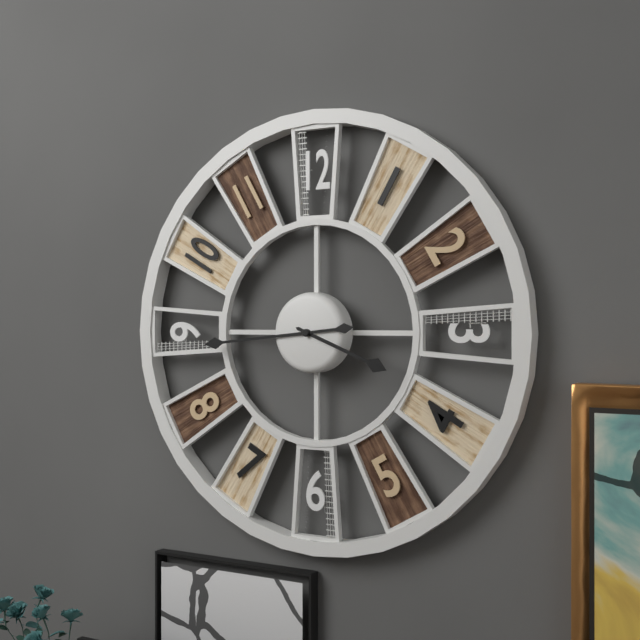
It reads {"hour": 3, "minute": 44}
